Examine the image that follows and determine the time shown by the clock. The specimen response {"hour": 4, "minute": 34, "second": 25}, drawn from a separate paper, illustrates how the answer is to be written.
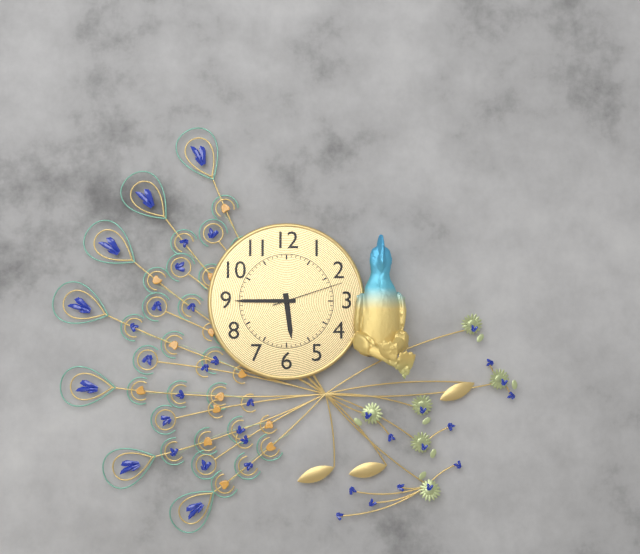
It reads {"hour": 5, "minute": 45, "second": 12}
